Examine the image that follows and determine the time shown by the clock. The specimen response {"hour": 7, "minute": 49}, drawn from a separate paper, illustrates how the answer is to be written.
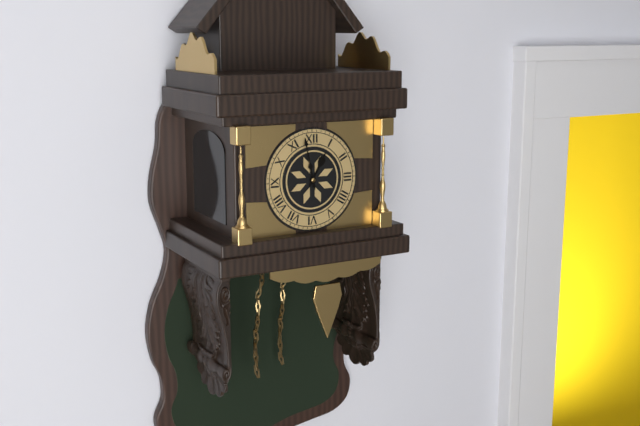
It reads {"hour": 12, "minute": 58}
